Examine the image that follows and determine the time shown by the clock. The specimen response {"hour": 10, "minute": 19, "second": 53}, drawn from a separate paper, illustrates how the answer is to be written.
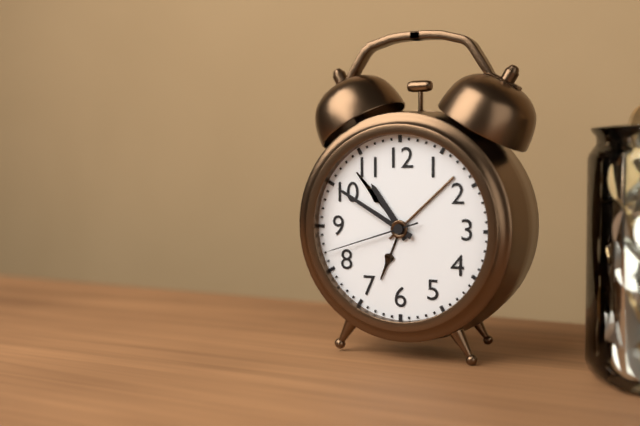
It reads {"hour": 10, "minute": 50, "second": 42}
